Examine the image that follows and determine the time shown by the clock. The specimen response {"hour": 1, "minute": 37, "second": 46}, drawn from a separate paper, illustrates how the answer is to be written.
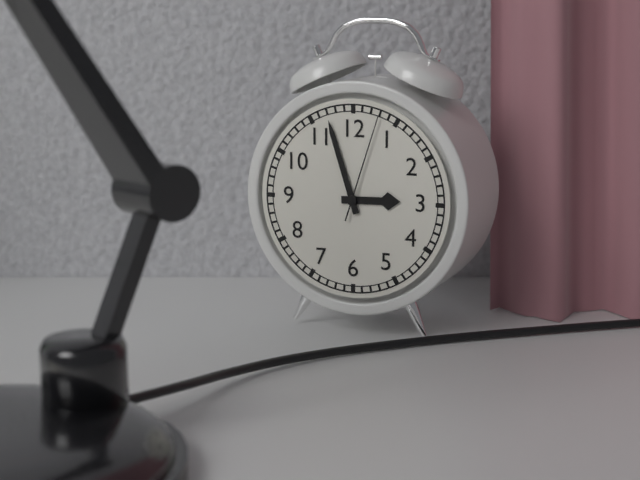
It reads {"hour": 2, "minute": 57, "second": 3}
